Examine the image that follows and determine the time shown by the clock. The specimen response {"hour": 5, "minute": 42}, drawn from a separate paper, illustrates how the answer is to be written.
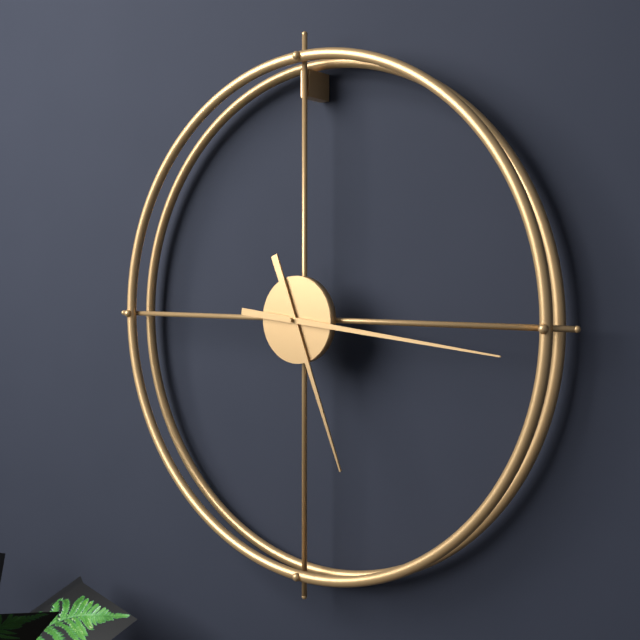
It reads {"hour": 5, "minute": 16}
